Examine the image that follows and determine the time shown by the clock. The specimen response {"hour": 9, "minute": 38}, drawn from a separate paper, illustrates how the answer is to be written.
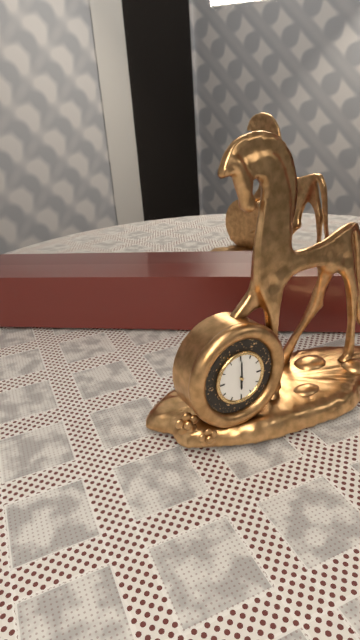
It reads {"hour": 6, "minute": 0}
